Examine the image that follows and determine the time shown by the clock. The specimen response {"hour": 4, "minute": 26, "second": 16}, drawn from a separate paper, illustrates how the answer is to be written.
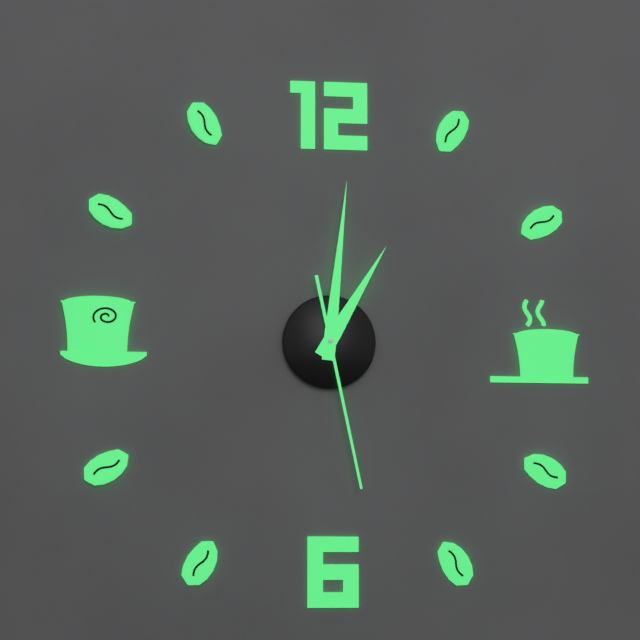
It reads {"hour": 1, "minute": 1, "second": 28}
